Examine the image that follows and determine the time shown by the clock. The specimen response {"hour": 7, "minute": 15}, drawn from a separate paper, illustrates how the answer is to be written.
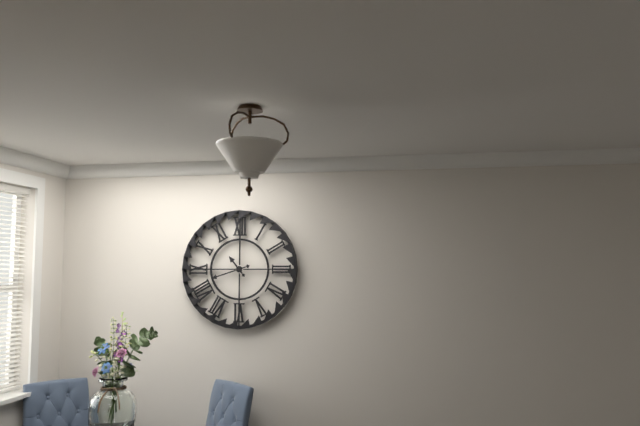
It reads {"hour": 10, "minute": 42}
